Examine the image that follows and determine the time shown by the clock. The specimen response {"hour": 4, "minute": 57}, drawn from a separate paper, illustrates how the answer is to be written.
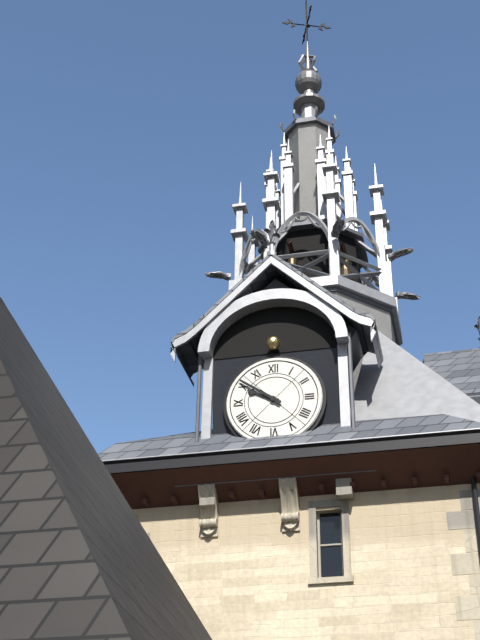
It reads {"hour": 9, "minute": 51}
